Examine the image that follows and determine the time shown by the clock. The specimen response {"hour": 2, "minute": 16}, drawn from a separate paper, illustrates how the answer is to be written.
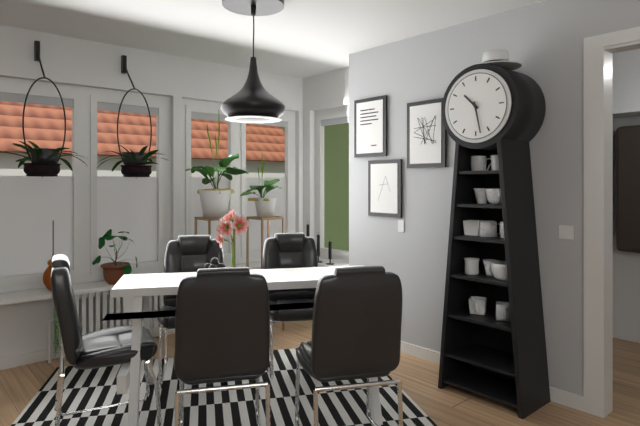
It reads {"hour": 10, "minute": 28}
